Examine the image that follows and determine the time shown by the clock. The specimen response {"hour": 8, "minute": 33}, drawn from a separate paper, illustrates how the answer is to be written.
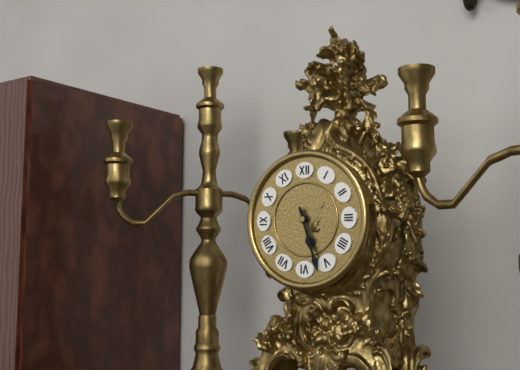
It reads {"hour": 5, "minute": 27}
